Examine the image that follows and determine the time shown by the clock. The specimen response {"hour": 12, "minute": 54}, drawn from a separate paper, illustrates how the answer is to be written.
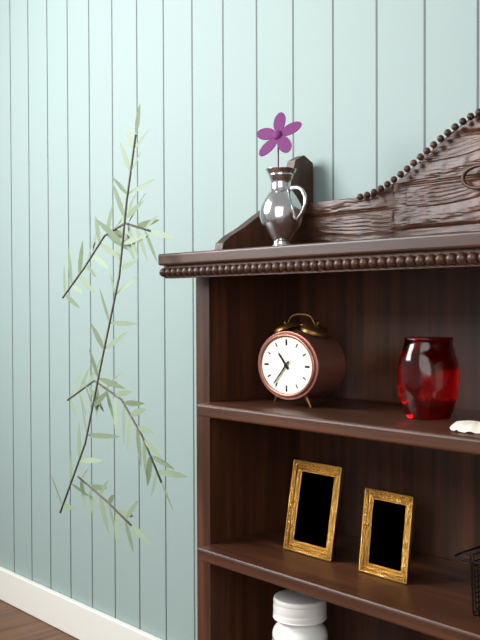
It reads {"hour": 10, "minute": 37}
